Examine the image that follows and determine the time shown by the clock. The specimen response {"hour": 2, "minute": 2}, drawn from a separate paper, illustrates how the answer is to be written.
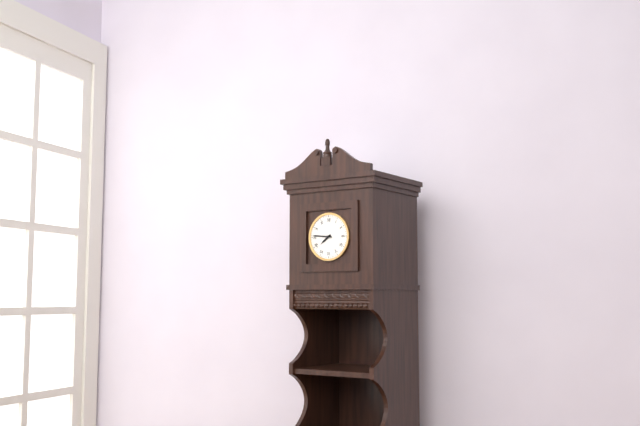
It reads {"hour": 7, "minute": 46}
